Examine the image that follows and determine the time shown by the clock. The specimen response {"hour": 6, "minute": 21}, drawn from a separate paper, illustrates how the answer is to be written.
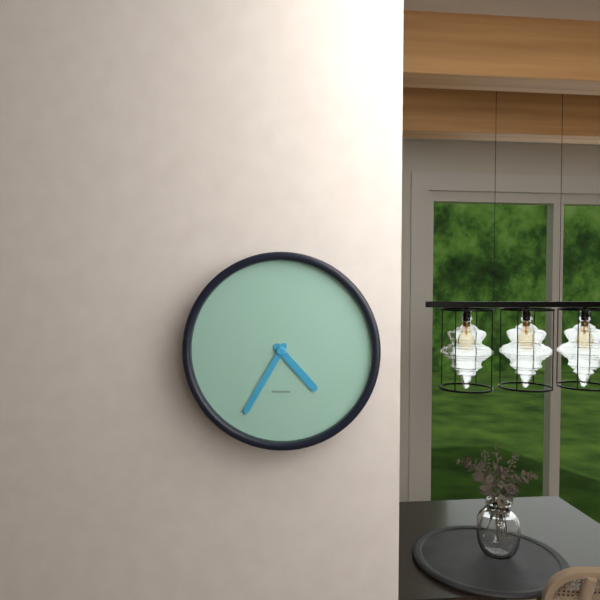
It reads {"hour": 4, "minute": 35}
